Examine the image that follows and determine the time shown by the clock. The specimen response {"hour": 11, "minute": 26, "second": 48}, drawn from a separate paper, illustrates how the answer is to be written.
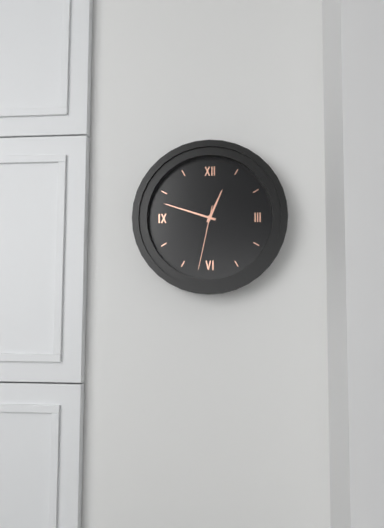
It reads {"hour": 12, "minute": 48, "second": 32}
